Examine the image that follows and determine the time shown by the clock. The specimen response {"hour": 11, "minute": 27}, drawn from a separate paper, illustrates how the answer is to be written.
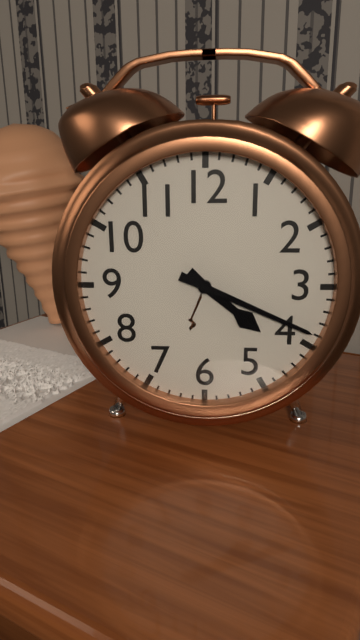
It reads {"hour": 4, "minute": 19}
